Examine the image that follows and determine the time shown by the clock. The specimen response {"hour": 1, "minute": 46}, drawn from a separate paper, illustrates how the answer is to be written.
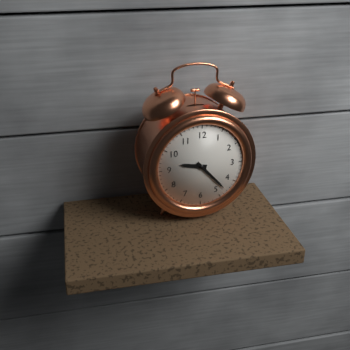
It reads {"hour": 9, "minute": 23}
